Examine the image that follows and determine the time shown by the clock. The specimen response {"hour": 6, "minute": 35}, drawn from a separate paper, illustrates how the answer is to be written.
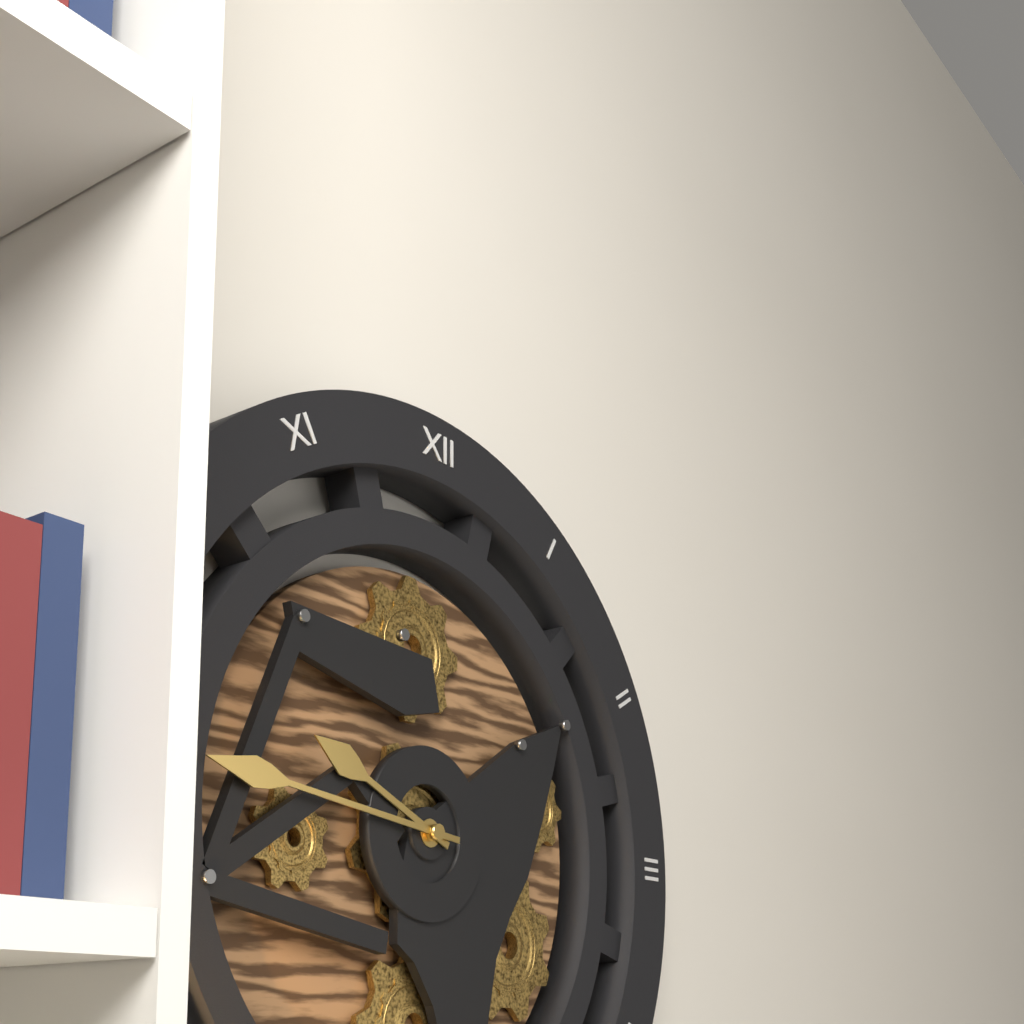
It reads {"hour": 9, "minute": 46}
